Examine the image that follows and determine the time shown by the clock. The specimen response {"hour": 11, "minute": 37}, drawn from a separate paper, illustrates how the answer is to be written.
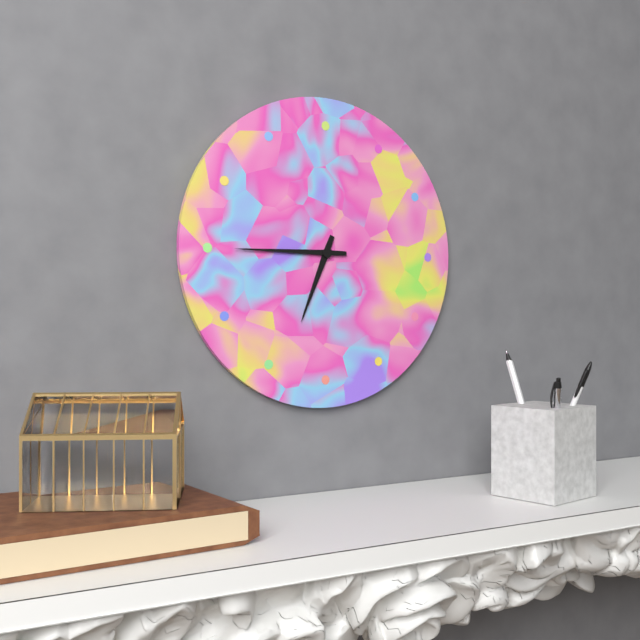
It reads {"hour": 6, "minute": 45}
